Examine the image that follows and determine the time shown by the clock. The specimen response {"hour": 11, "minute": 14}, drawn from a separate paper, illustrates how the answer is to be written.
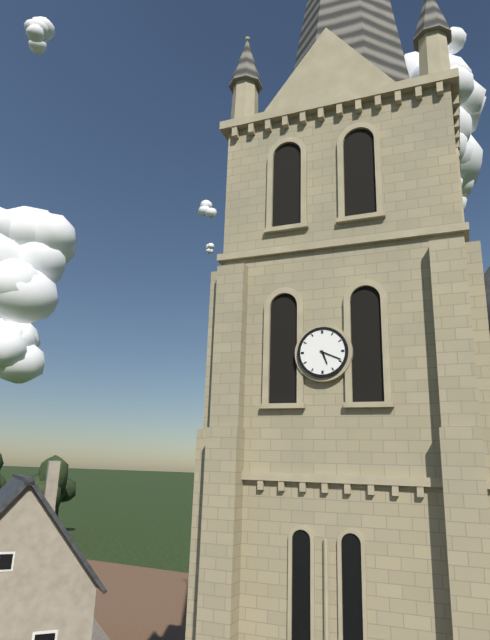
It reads {"hour": 5, "minute": 19}
